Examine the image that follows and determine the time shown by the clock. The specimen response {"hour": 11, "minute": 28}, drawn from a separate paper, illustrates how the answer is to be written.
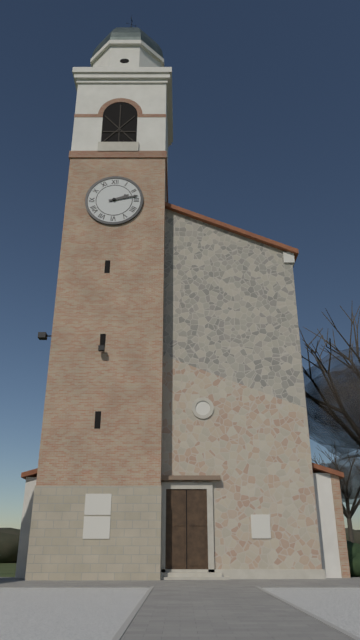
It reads {"hour": 2, "minute": 13}
